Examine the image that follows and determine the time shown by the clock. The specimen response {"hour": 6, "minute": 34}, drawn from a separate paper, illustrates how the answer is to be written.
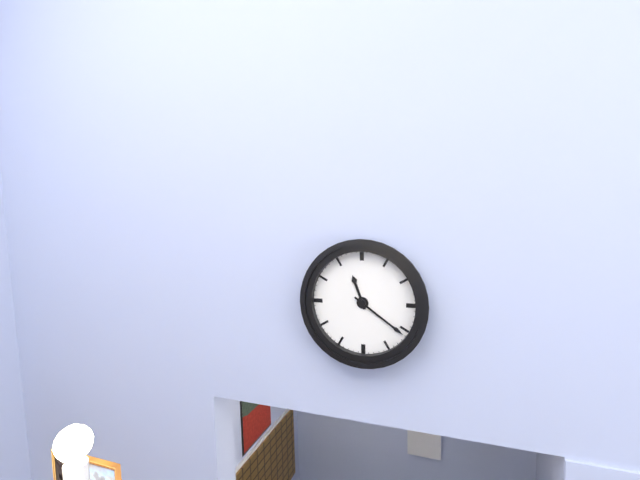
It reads {"hour": 11, "minute": 21}
